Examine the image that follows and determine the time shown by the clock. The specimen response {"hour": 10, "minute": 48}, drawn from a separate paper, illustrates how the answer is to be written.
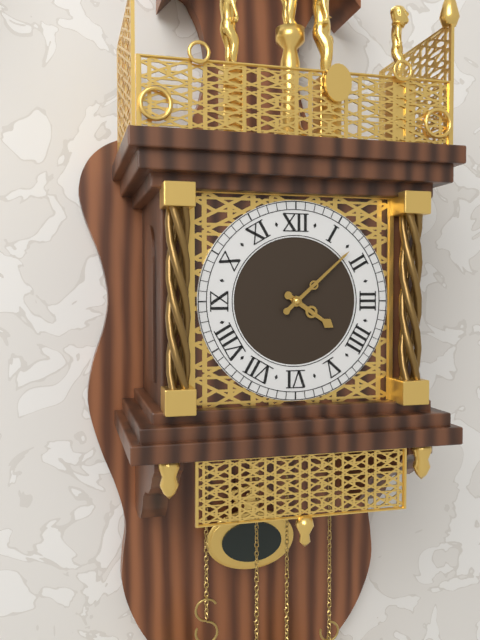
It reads {"hour": 4, "minute": 8}
